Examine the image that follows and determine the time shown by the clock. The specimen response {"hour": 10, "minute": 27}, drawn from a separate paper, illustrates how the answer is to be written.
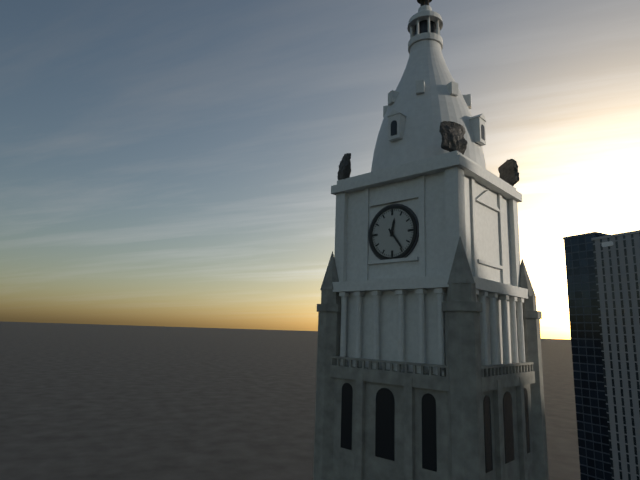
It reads {"hour": 12, "minute": 24}
